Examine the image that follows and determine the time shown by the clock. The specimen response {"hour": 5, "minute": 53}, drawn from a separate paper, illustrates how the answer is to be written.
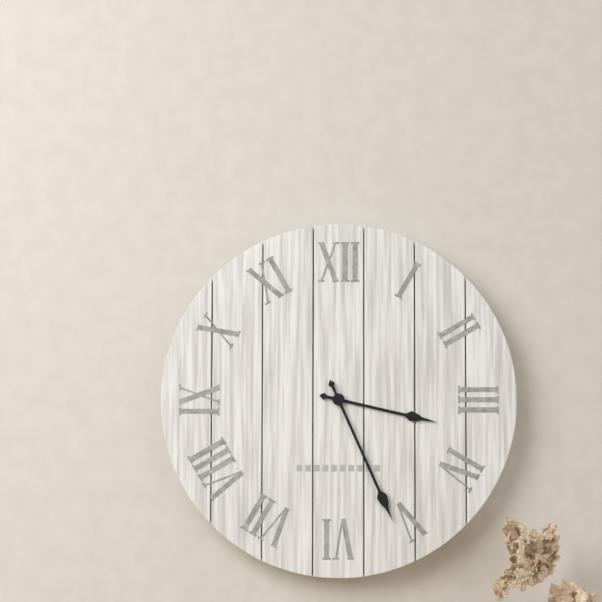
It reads {"hour": 3, "minute": 26}
